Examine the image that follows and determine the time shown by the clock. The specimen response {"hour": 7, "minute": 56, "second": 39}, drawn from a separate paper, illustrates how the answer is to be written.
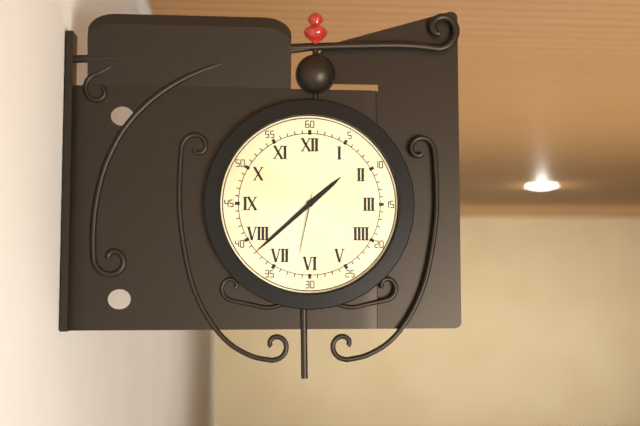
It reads {"hour": 1, "minute": 38, "second": 32}
